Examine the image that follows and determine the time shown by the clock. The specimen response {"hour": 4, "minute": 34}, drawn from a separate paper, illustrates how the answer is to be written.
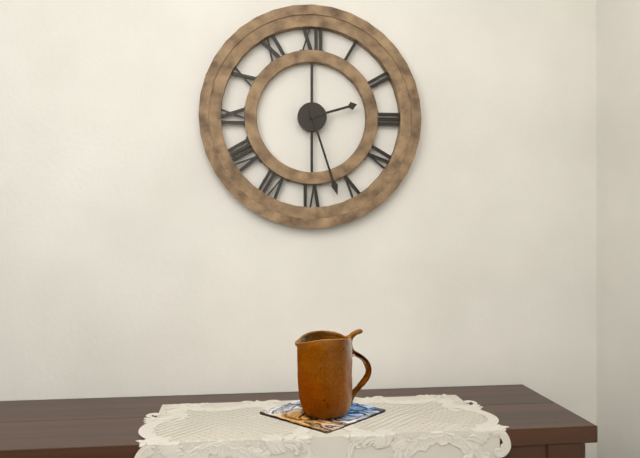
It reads {"hour": 2, "minute": 27}
